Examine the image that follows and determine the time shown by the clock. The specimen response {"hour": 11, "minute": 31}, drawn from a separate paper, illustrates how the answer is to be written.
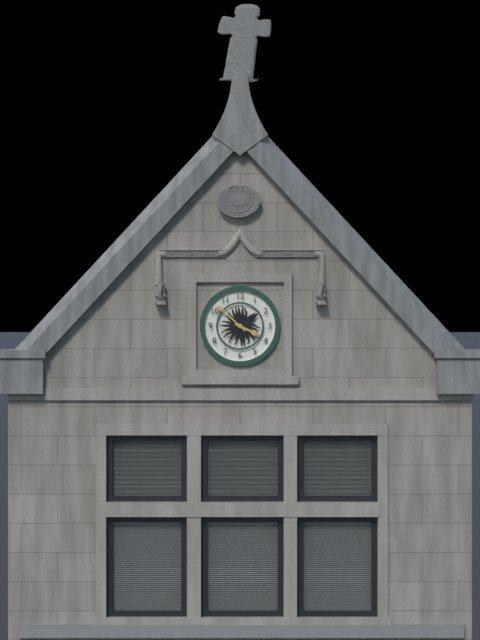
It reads {"hour": 3, "minute": 52}
